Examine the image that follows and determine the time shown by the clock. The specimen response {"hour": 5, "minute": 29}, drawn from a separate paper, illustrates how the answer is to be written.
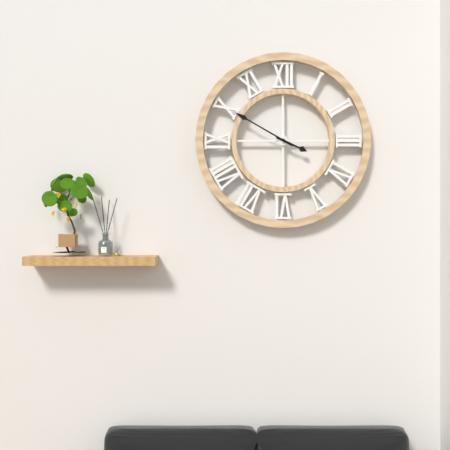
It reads {"hour": 3, "minute": 50}
